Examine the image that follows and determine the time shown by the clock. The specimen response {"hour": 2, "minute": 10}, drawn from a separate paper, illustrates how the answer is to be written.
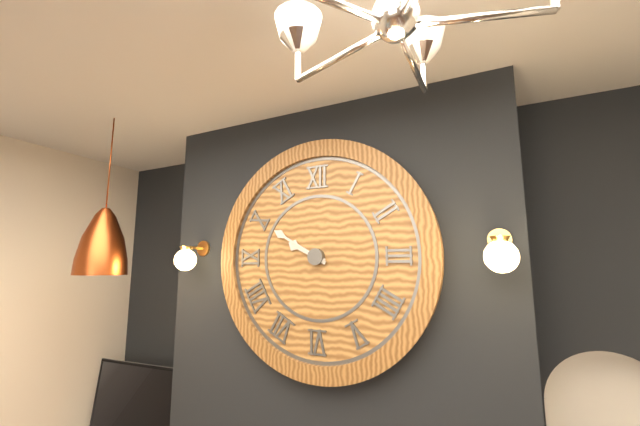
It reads {"hour": 9, "minute": 50}
